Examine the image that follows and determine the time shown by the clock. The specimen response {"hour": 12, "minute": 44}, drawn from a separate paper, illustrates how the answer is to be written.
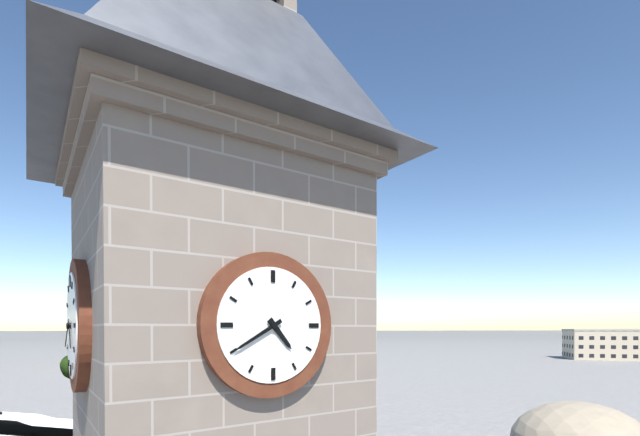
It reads {"hour": 4, "minute": 40}
